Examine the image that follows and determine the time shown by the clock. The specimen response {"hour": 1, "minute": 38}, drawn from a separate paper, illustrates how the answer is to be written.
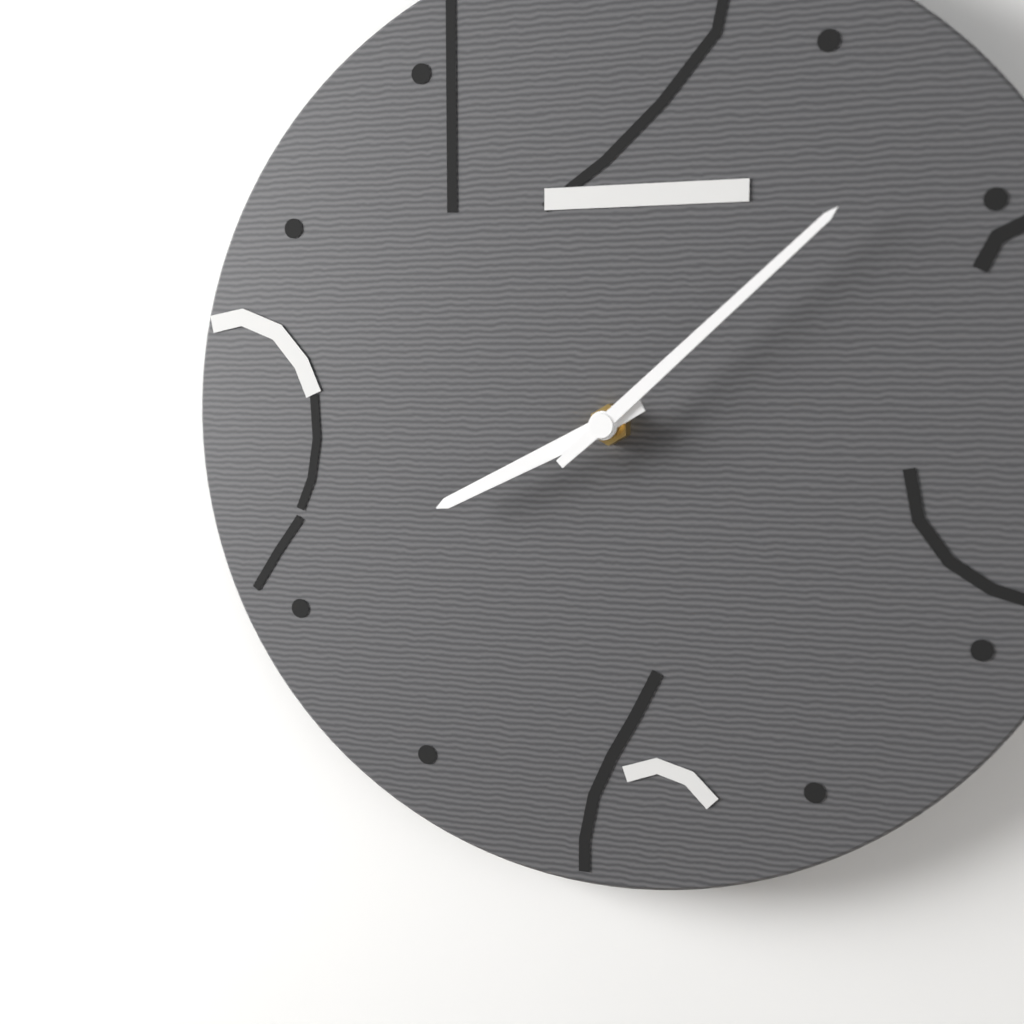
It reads {"hour": 8, "minute": 8}
